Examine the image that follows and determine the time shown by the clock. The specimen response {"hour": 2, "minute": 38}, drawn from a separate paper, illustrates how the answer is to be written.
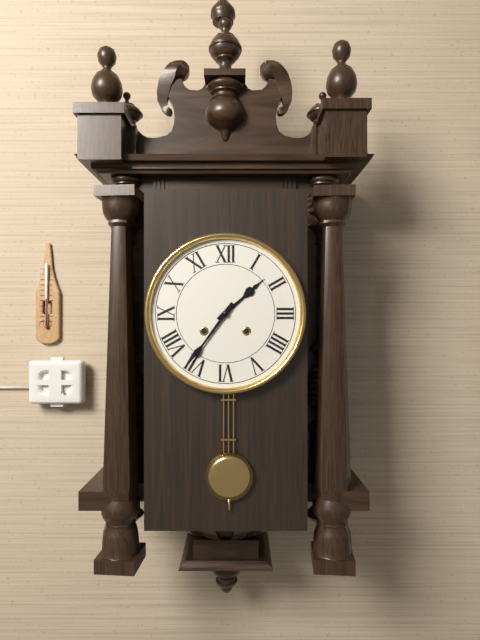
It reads {"hour": 1, "minute": 36}
